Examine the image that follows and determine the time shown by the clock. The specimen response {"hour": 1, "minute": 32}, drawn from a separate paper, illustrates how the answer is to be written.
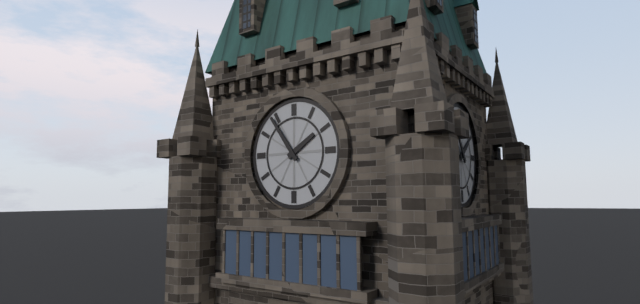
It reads {"hour": 1, "minute": 54}
